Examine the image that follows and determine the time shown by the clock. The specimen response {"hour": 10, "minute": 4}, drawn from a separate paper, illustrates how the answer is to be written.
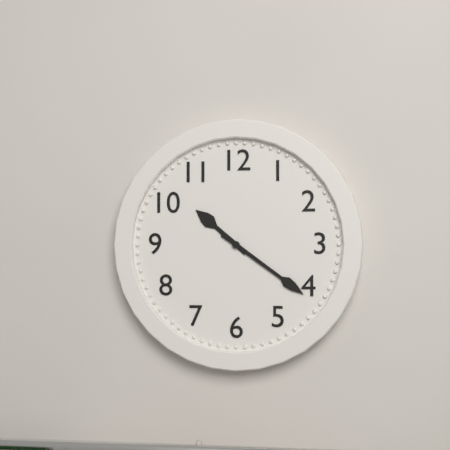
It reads {"hour": 10, "minute": 21}
